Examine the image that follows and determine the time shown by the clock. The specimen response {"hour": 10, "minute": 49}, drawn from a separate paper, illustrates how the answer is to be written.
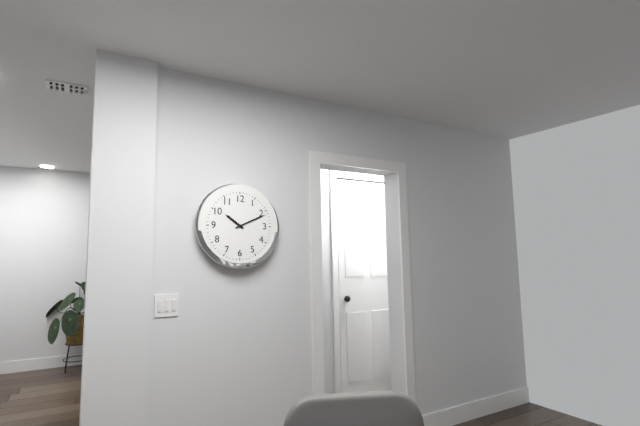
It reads {"hour": 10, "minute": 11}
